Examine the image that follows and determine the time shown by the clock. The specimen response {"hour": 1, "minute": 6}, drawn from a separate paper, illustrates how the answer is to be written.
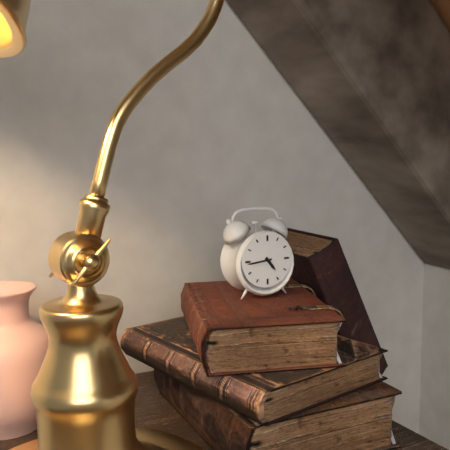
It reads {"hour": 4, "minute": 44}
